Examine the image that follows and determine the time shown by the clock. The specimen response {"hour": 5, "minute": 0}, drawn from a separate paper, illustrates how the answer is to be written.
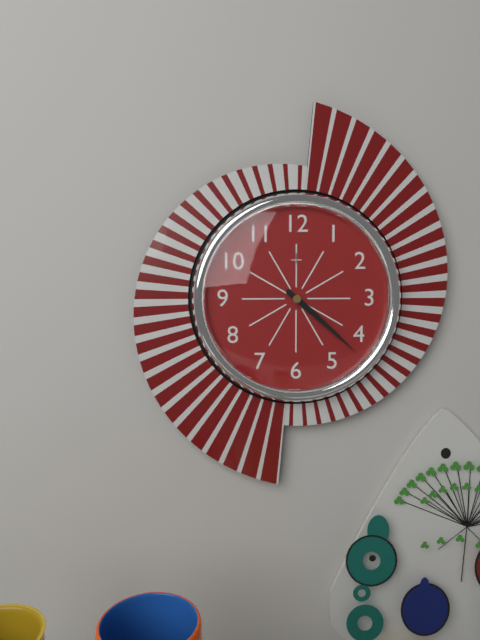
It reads {"hour": 4, "minute": 22}
